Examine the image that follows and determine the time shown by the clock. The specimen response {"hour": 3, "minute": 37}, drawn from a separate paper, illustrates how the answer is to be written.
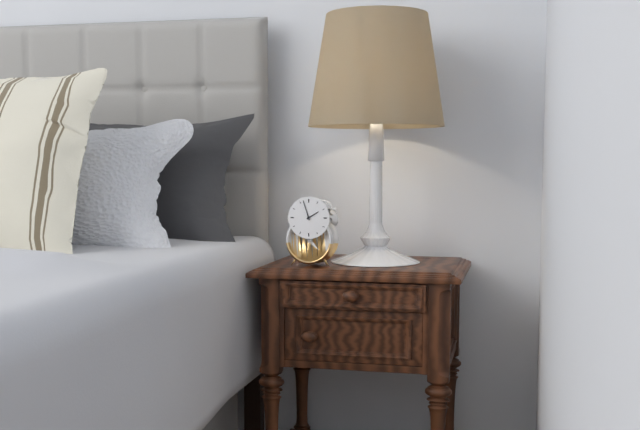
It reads {"hour": 1, "minute": 57}
